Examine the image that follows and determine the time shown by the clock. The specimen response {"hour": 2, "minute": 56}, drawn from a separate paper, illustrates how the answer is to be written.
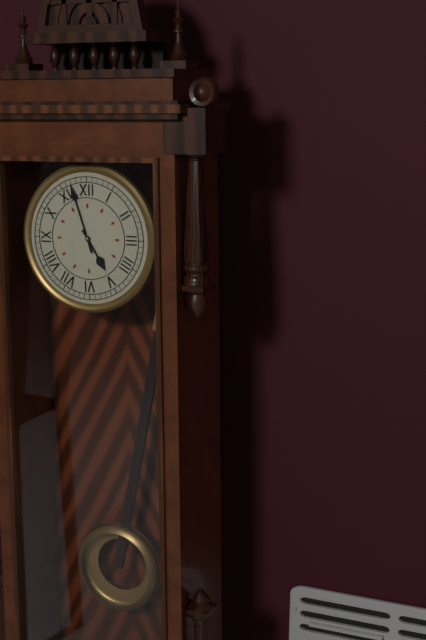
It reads {"hour": 4, "minute": 57}
